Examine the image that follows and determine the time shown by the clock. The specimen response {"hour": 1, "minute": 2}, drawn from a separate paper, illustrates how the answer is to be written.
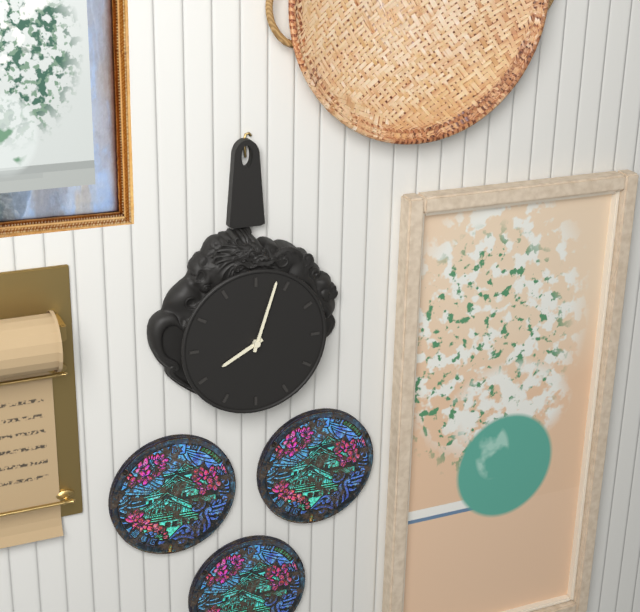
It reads {"hour": 8, "minute": 3}
